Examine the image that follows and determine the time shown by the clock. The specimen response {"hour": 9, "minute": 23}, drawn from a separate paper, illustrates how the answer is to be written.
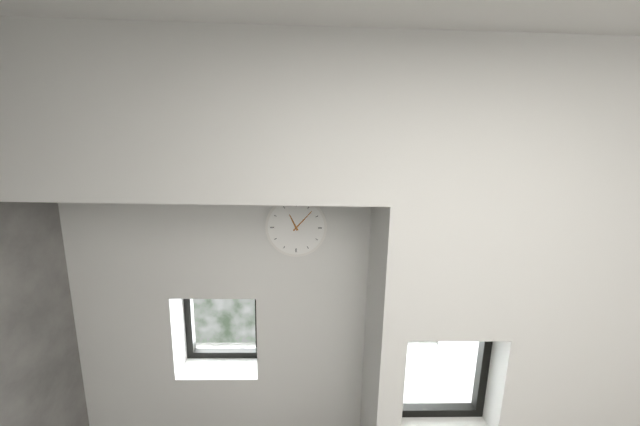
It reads {"hour": 11, "minute": 7}
